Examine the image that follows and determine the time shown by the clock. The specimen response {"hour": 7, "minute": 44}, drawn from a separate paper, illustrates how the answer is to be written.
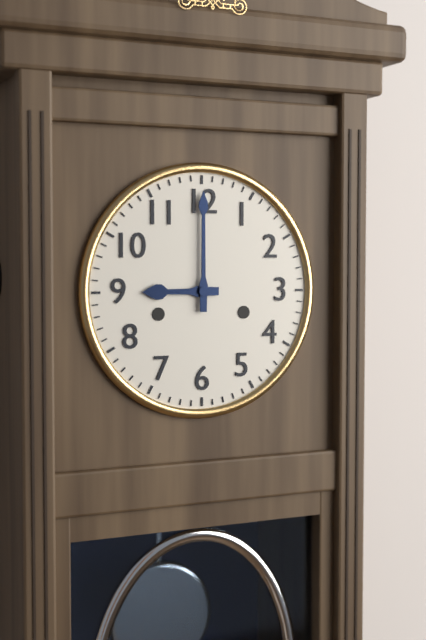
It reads {"hour": 9, "minute": 0}
